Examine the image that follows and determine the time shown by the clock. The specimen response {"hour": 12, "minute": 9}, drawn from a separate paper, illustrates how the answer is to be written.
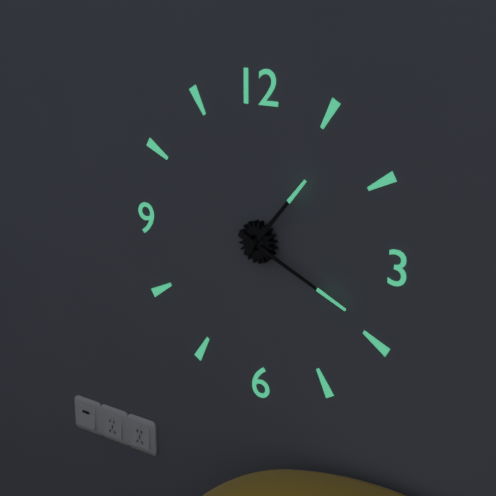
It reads {"hour": 1, "minute": 19}
